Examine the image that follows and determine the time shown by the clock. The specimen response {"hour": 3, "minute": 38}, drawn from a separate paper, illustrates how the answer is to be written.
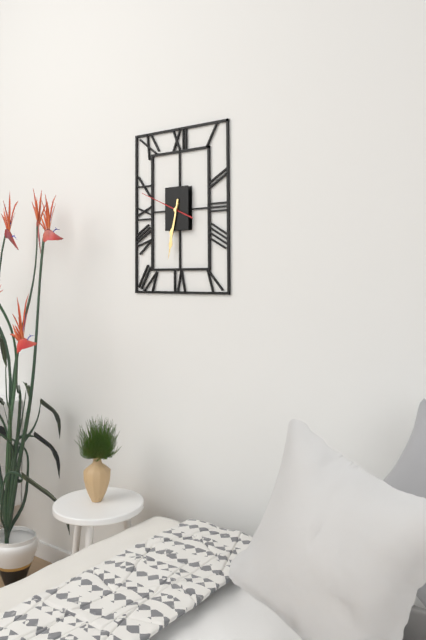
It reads {"hour": 6, "minute": 32}
